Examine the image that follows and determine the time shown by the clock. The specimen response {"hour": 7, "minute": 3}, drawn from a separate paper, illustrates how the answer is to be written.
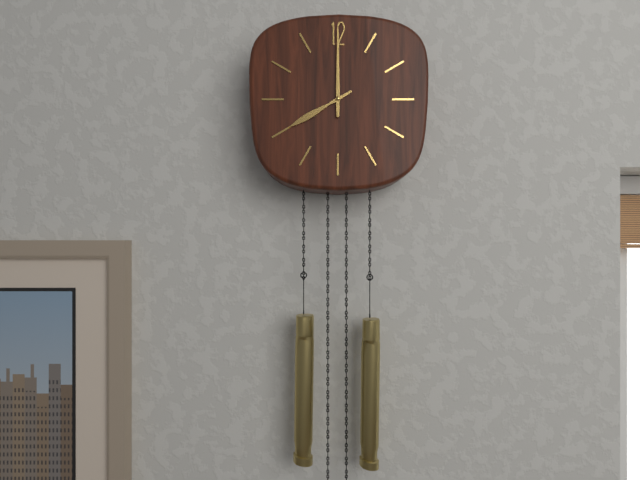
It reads {"hour": 8, "minute": 0}
